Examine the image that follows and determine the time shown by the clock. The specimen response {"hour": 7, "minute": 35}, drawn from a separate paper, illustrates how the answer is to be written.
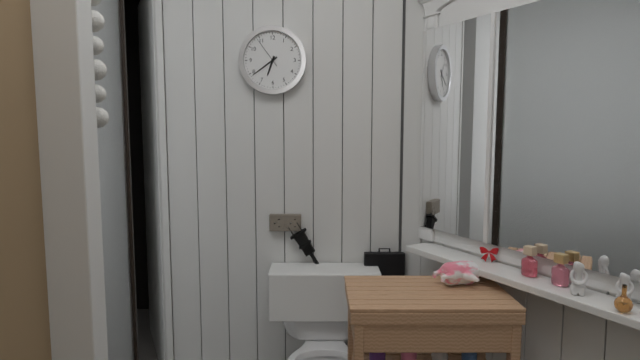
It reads {"hour": 6, "minute": 39}
